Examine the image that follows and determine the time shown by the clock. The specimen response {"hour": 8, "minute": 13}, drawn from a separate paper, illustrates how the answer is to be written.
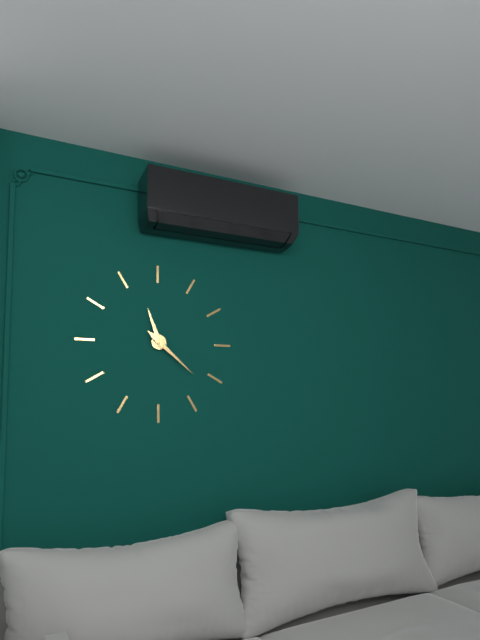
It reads {"hour": 11, "minute": 22}
